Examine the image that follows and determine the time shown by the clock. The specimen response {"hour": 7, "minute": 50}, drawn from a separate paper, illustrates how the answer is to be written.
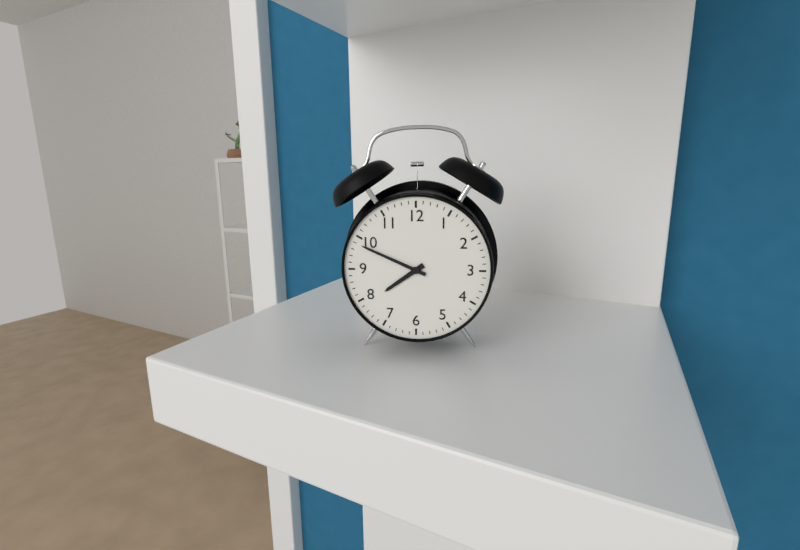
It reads {"hour": 7, "minute": 49}
